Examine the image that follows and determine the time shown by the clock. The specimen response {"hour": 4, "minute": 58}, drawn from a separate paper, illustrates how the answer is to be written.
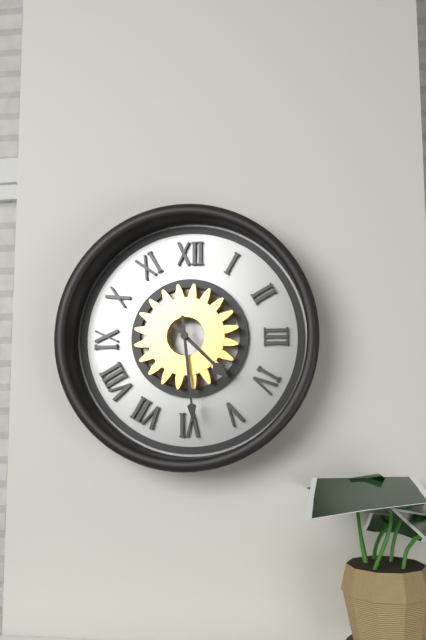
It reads {"hour": 4, "minute": 29}
